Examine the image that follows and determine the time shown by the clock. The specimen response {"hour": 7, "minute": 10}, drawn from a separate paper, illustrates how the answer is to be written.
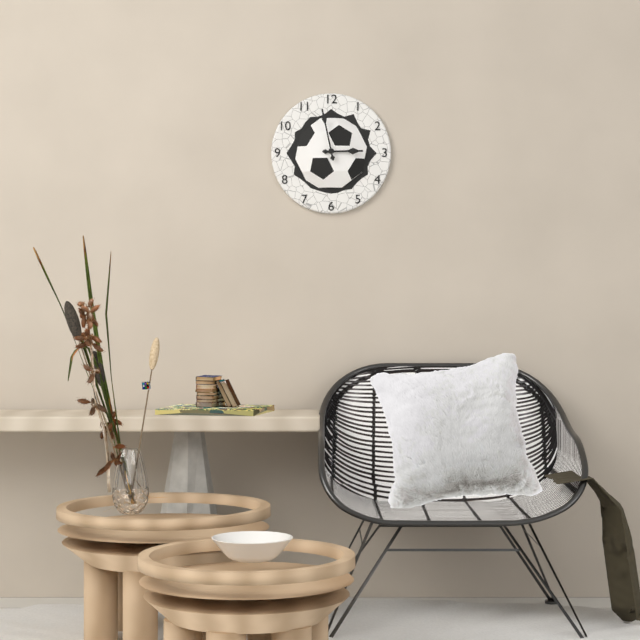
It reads {"hour": 2, "minute": 58}
